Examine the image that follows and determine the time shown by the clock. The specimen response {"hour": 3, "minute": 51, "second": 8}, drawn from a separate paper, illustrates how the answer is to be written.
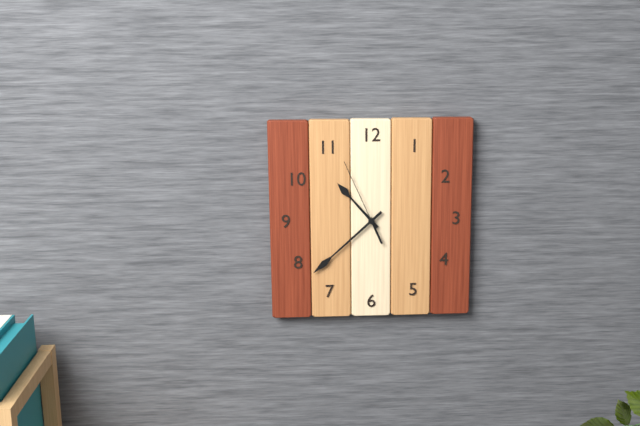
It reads {"hour": 10, "minute": 38, "second": 56}
